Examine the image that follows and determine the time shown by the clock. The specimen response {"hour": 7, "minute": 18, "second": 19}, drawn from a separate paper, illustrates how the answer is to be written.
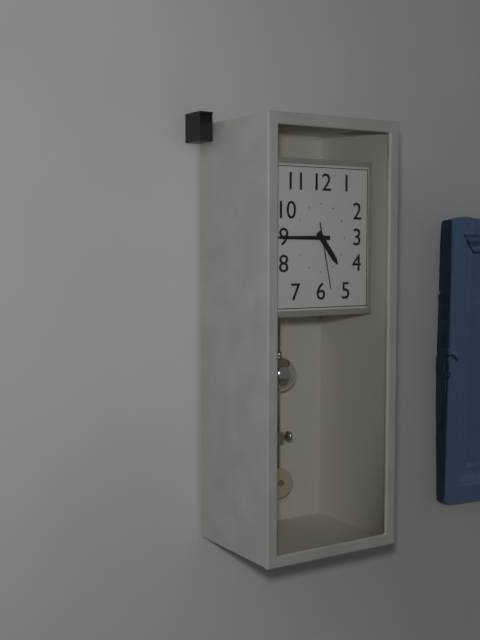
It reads {"hour": 4, "minute": 45, "second": 28}
